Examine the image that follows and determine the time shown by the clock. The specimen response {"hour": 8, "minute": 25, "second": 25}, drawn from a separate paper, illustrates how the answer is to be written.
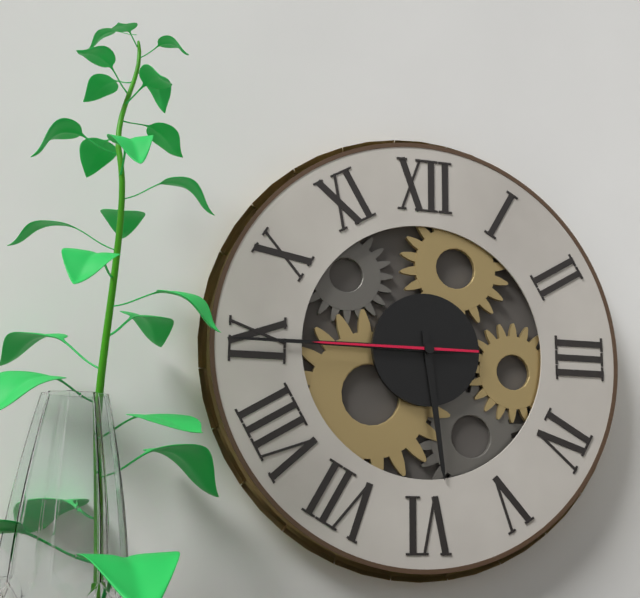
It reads {"hour": 5, "minute": 45, "second": 45}
